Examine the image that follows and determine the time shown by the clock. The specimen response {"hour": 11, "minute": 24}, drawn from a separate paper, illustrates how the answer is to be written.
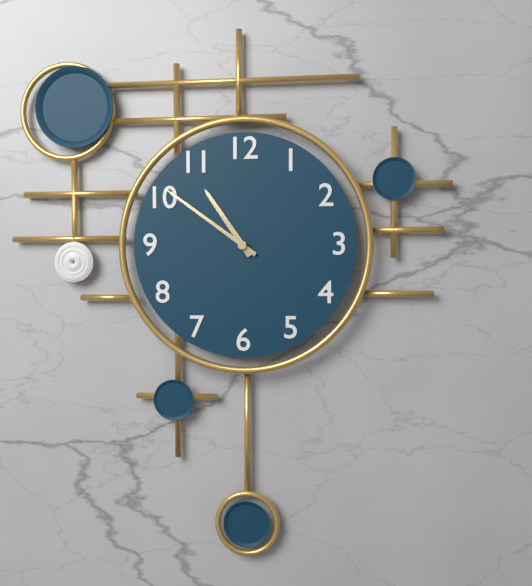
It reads {"hour": 10, "minute": 51}
